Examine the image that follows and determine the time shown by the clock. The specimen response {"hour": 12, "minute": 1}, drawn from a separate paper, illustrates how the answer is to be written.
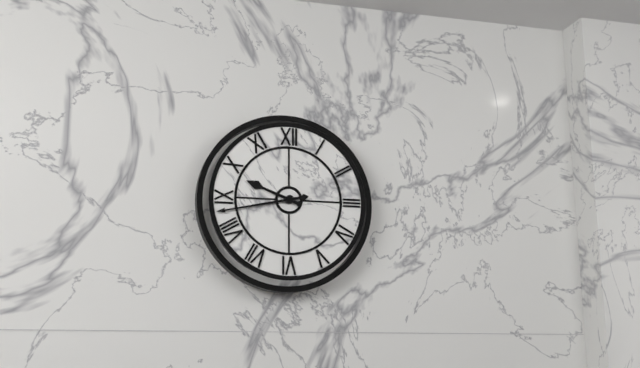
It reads {"hour": 9, "minute": 43}
